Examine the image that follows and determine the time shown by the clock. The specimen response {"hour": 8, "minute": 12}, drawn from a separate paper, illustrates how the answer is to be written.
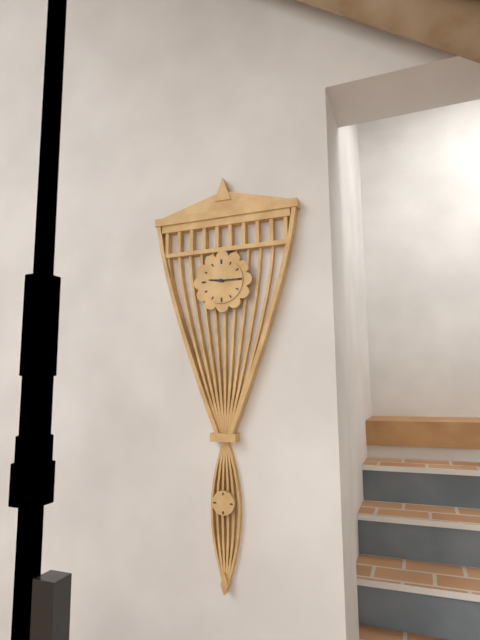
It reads {"hour": 9, "minute": 15}
